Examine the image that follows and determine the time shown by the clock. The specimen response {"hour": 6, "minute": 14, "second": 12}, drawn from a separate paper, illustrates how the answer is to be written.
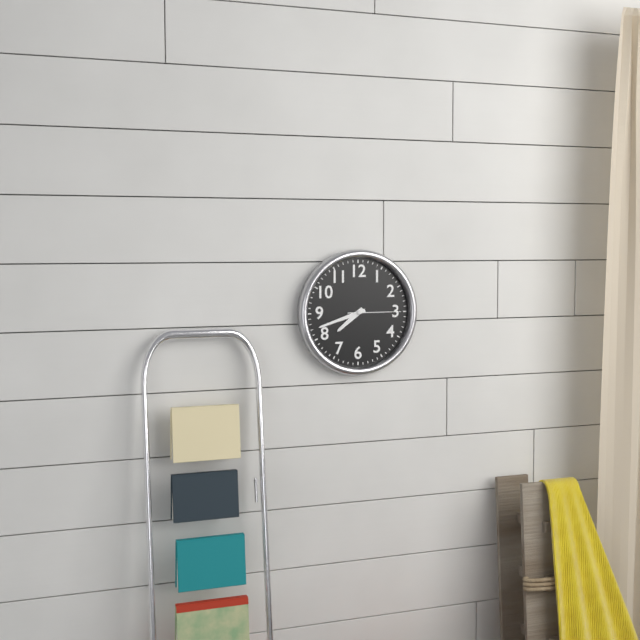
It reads {"hour": 7, "minute": 42, "second": 15}
